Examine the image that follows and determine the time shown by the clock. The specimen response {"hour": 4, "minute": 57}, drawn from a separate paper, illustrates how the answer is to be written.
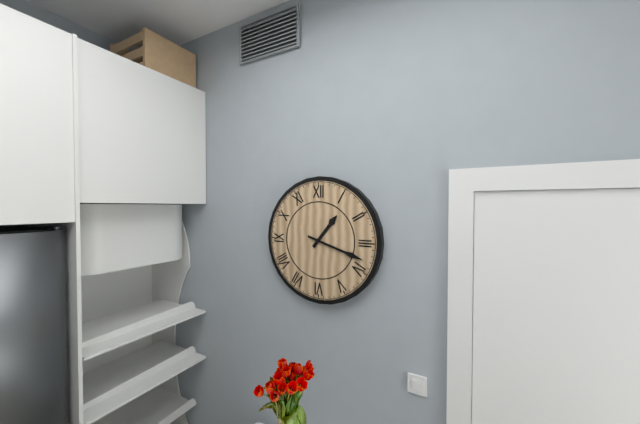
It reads {"hour": 1, "minute": 18}
